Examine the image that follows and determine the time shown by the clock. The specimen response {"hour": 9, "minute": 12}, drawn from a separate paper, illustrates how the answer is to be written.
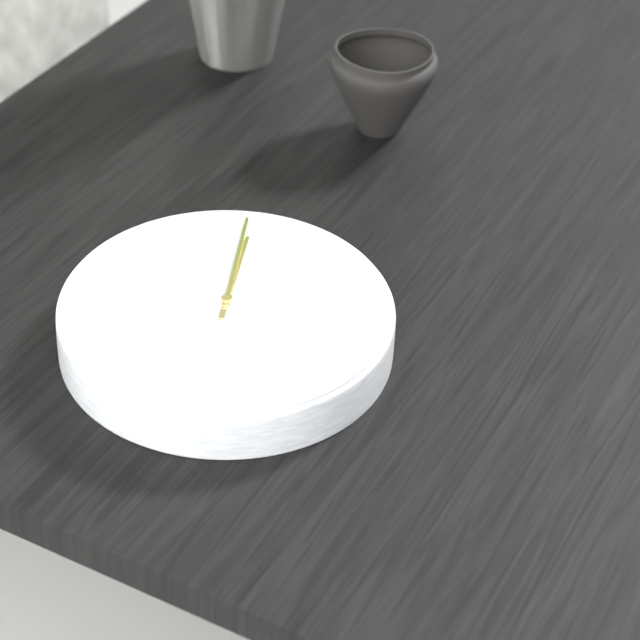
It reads {"hour": 1, "minute": 5}
